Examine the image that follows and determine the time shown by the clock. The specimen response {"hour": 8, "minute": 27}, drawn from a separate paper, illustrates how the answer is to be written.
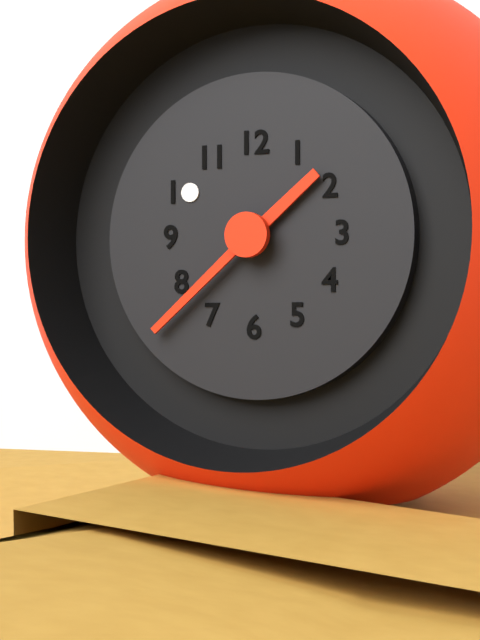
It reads {"hour": 1, "minute": 38}
